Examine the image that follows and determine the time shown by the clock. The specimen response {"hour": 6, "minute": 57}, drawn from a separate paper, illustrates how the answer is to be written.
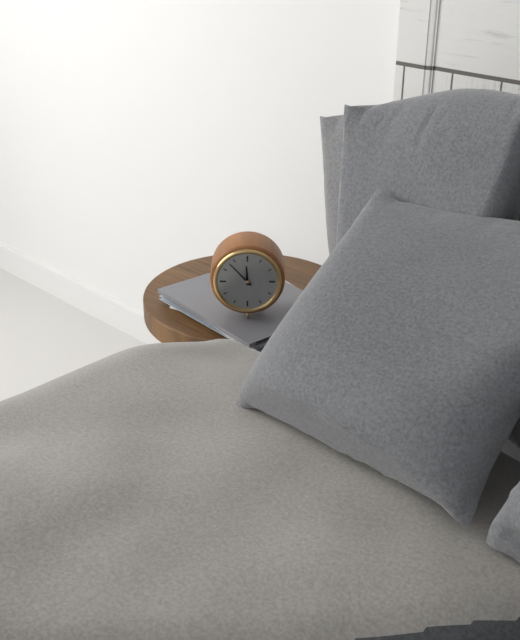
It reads {"hour": 11, "minute": 53}
